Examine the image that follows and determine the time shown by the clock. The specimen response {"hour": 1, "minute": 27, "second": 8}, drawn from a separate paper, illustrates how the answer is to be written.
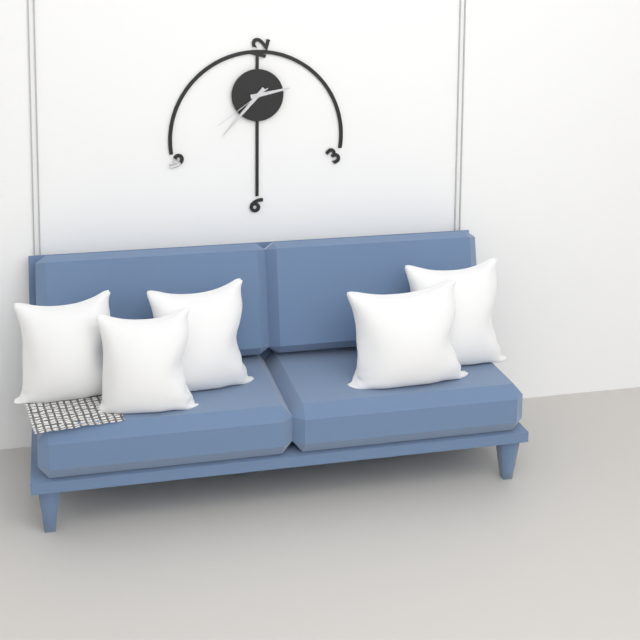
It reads {"hour": 2, "minute": 37, "second": 39}
